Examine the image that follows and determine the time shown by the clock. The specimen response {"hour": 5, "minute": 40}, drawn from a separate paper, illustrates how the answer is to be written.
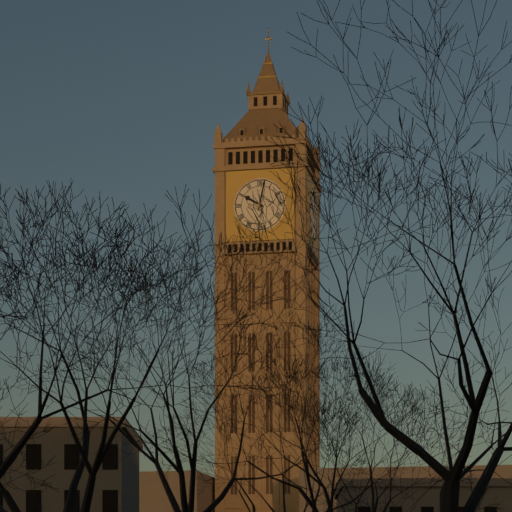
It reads {"hour": 10, "minute": 2}
